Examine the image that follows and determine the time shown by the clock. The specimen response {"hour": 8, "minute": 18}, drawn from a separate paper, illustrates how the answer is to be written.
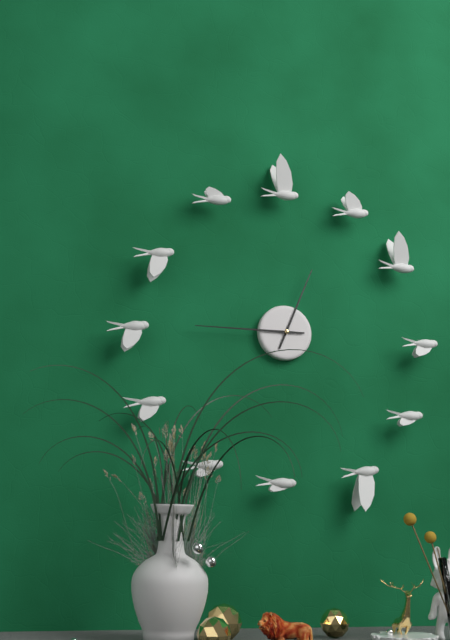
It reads {"hour": 12, "minute": 45}
